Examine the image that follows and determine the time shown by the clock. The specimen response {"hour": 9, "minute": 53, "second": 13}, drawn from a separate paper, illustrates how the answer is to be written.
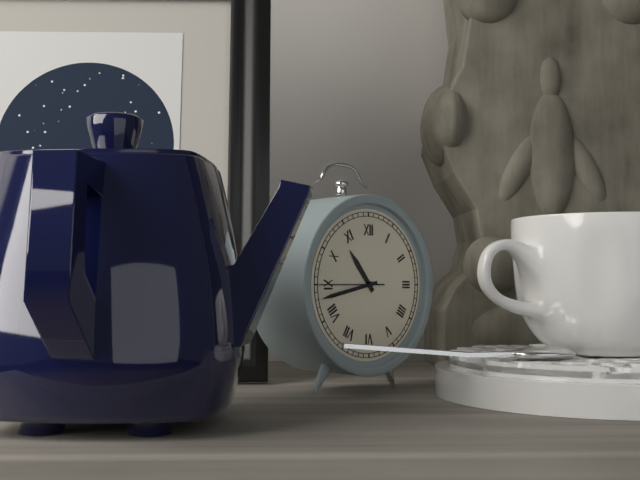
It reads {"hour": 10, "minute": 43, "second": 45}
